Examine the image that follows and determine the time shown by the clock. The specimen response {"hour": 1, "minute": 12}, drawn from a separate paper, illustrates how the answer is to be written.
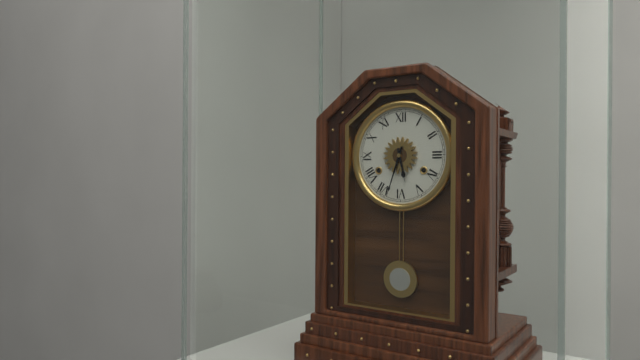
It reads {"hour": 5, "minute": 33}
